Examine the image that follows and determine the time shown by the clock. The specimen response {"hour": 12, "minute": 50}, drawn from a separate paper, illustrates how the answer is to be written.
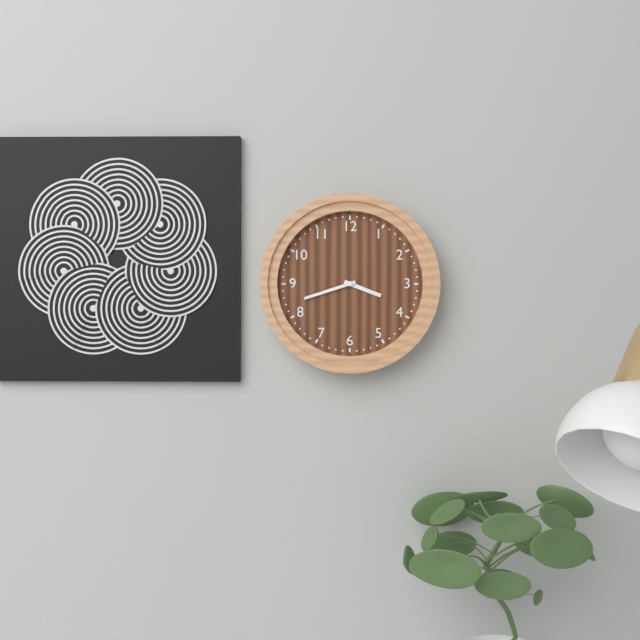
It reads {"hour": 3, "minute": 42}
